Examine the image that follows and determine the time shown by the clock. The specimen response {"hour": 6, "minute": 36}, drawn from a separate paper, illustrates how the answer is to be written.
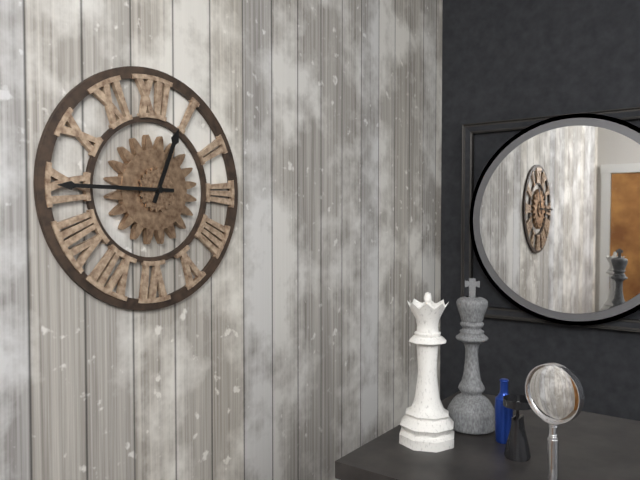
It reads {"hour": 12, "minute": 45}
